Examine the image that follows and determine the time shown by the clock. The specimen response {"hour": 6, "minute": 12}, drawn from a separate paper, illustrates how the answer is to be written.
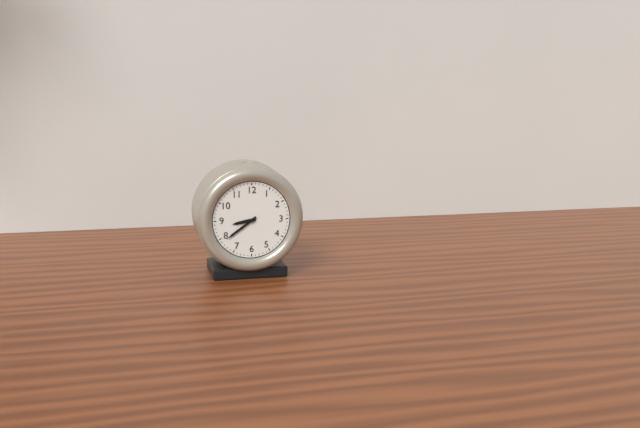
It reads {"hour": 8, "minute": 39}
